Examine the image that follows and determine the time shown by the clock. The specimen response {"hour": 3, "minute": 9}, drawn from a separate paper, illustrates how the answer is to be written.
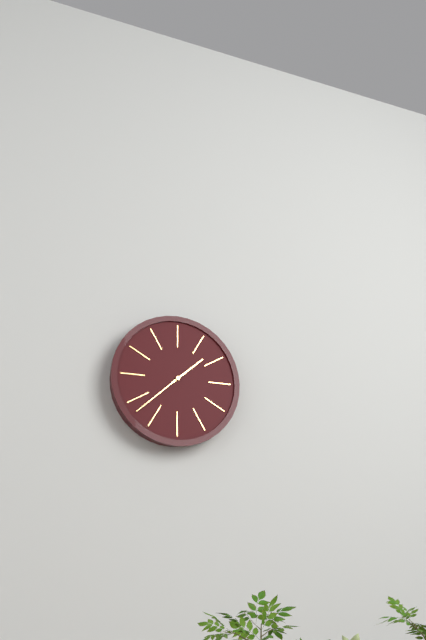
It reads {"hour": 1, "minute": 38}
